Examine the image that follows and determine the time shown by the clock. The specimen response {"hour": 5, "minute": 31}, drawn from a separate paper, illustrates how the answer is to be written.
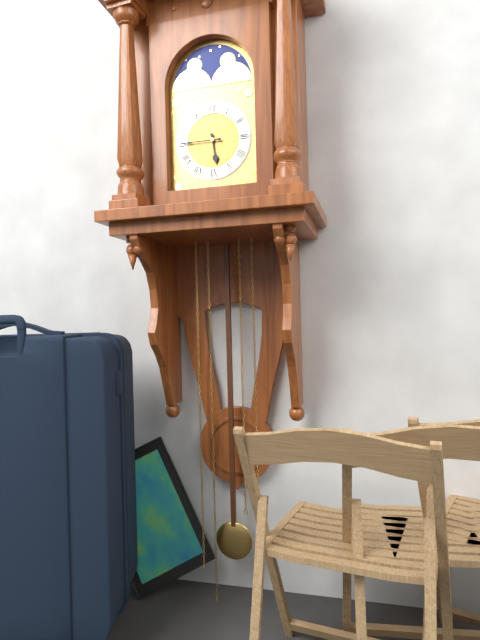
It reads {"hour": 5, "minute": 45}
